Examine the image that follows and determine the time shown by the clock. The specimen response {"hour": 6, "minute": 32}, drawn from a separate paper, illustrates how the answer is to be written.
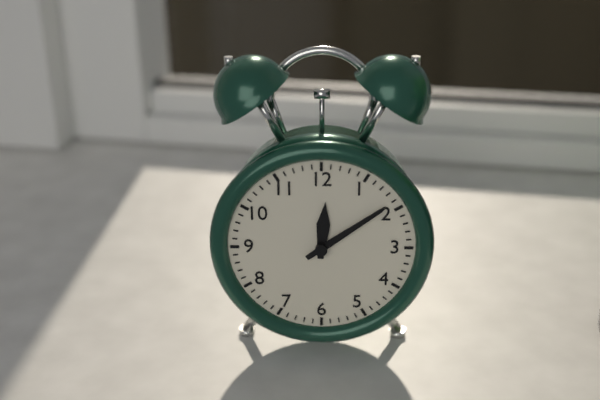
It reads {"hour": 12, "minute": 9}
